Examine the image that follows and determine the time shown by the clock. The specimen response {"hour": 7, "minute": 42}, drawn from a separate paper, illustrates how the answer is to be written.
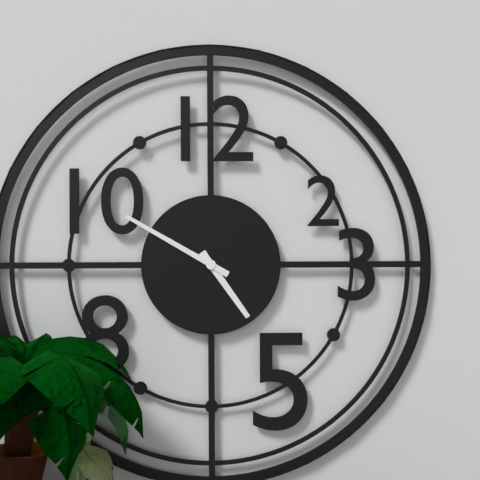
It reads {"hour": 4, "minute": 50}
